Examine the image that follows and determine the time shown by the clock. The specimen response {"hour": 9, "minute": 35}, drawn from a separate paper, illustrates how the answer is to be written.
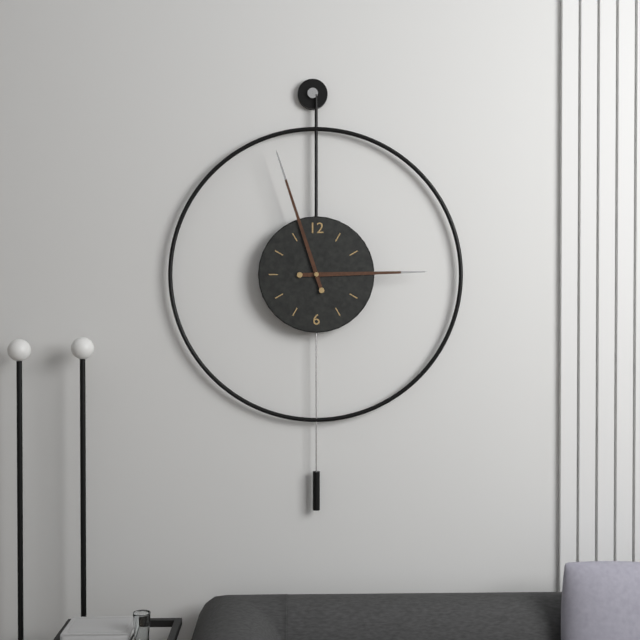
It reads {"hour": 2, "minute": 57}
